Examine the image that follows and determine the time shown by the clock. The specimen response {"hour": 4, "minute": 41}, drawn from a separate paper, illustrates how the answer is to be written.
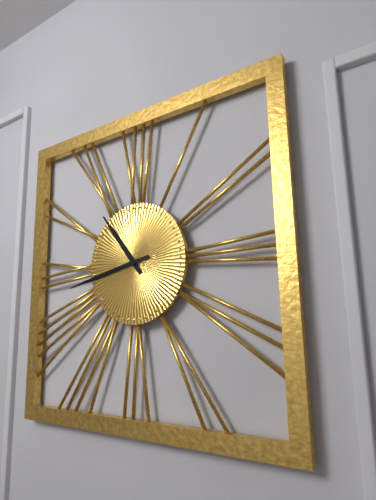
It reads {"hour": 10, "minute": 43}
